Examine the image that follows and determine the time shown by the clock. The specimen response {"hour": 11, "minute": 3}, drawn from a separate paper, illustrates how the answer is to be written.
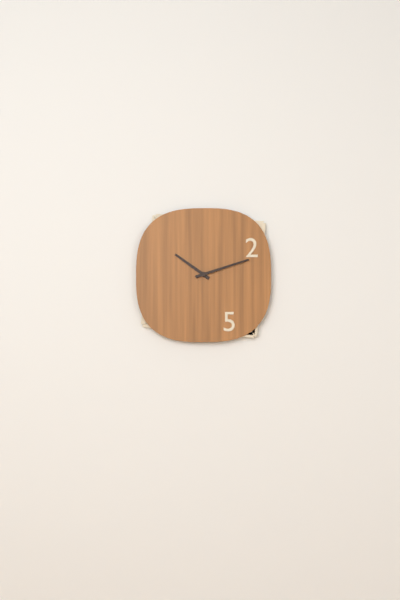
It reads {"hour": 10, "minute": 12}
